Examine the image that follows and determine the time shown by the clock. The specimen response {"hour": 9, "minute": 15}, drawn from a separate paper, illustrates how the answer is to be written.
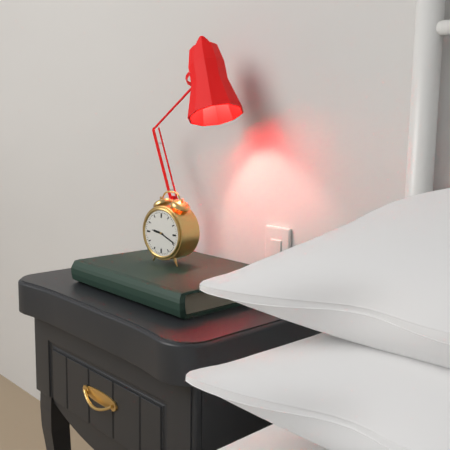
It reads {"hour": 9, "minute": 19}
